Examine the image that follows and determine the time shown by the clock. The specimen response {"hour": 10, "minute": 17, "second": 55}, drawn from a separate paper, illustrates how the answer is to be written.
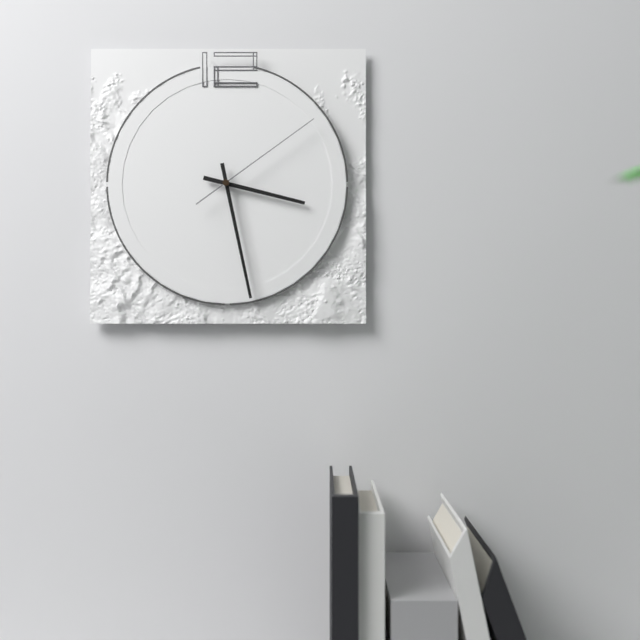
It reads {"hour": 3, "minute": 28, "second": 9}
